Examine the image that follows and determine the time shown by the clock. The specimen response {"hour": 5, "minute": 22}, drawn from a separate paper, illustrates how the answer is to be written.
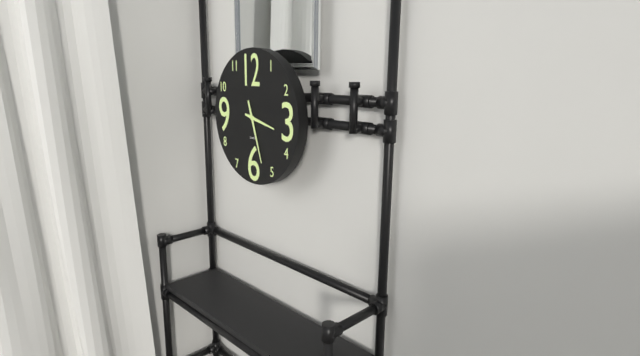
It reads {"hour": 3, "minute": 27}
